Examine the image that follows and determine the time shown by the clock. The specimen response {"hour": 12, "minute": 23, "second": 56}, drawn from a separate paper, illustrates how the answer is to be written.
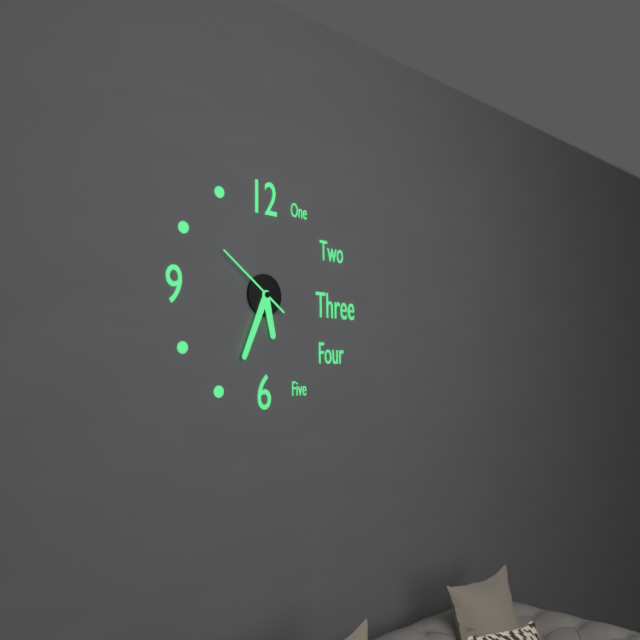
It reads {"hour": 5, "minute": 34, "second": 51}
